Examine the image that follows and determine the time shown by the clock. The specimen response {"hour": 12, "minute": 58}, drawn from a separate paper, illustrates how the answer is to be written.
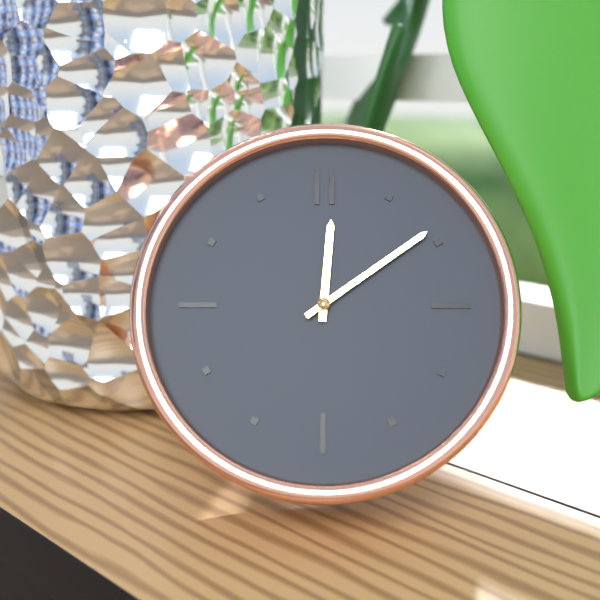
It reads {"hour": 12, "minute": 9}
